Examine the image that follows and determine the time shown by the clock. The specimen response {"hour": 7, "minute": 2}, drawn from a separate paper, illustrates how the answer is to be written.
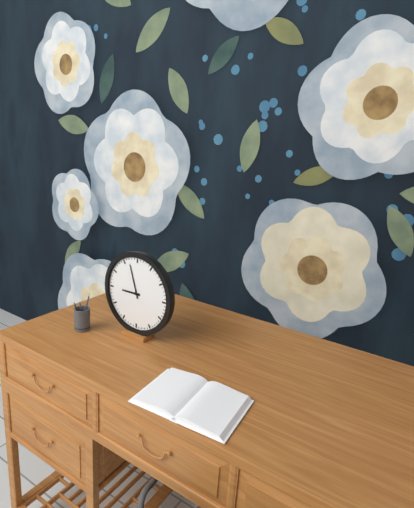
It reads {"hour": 8, "minute": 57}
